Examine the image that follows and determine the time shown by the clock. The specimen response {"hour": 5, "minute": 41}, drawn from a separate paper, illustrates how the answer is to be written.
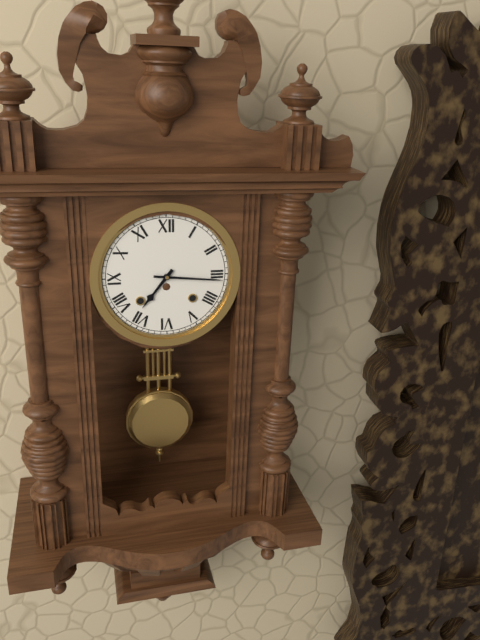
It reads {"hour": 7, "minute": 16}
